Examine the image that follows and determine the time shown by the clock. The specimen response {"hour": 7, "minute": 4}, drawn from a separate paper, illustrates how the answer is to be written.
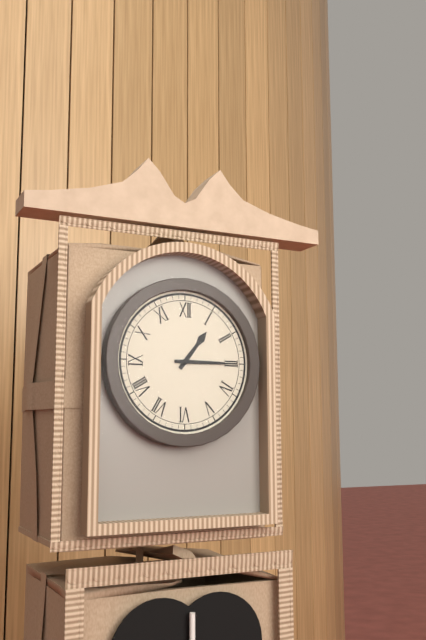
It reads {"hour": 1, "minute": 15}
